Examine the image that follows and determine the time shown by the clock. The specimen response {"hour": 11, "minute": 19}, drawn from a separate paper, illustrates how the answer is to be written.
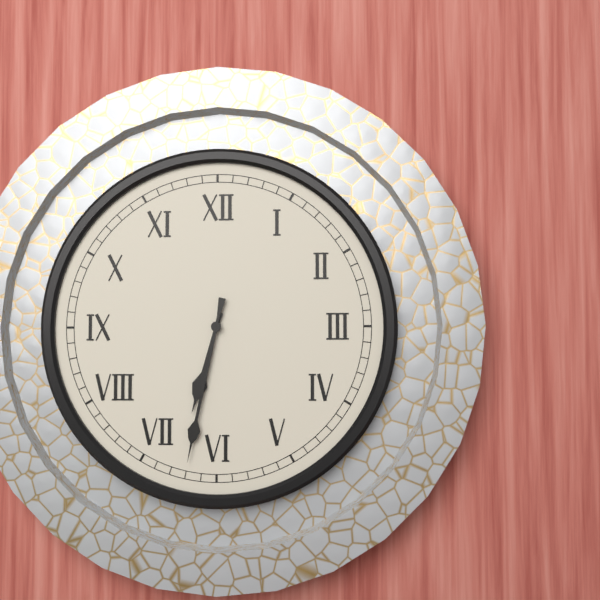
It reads {"hour": 6, "minute": 32}
